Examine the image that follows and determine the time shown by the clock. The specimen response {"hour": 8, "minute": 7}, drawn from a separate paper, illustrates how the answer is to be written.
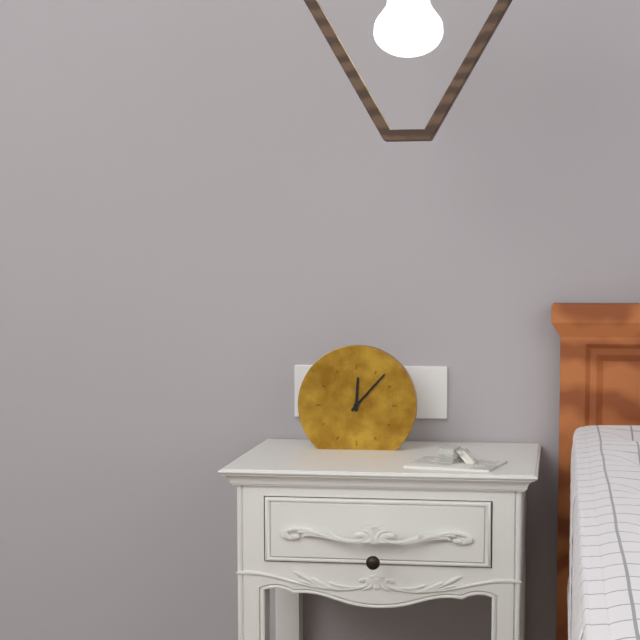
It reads {"hour": 12, "minute": 7}
